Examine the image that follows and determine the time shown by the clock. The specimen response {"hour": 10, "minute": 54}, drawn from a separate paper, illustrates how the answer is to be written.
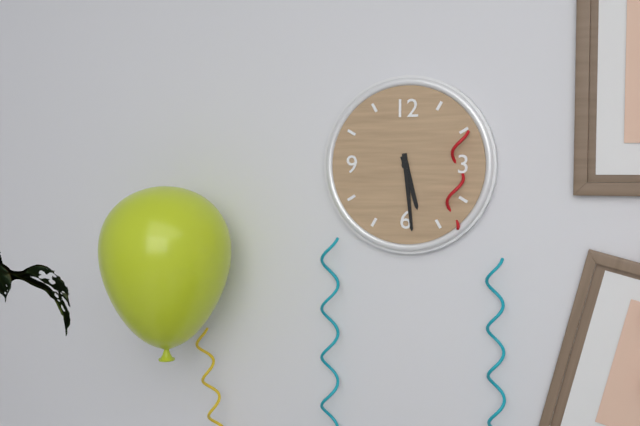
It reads {"hour": 5, "minute": 29}
